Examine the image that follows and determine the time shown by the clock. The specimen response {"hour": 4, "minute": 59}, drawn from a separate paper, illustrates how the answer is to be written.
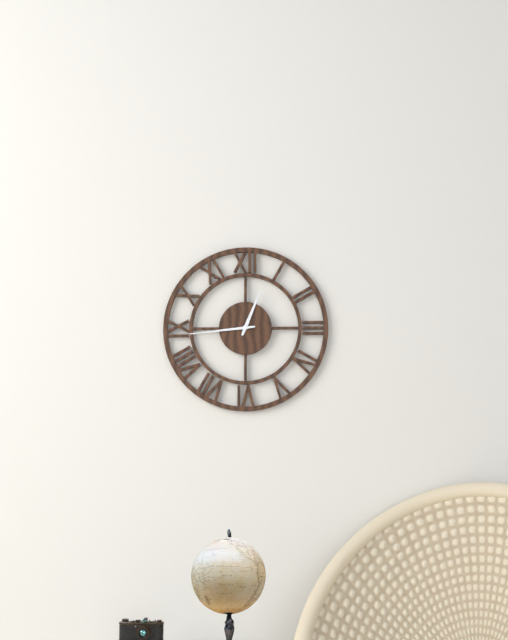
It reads {"hour": 12, "minute": 44}
